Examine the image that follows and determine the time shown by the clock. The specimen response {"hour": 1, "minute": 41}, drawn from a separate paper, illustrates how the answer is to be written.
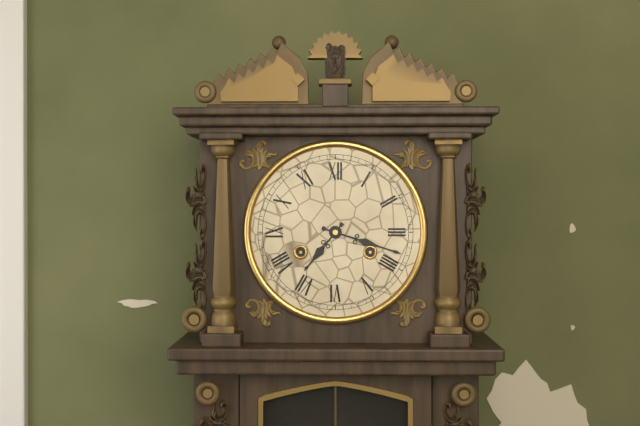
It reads {"hour": 7, "minute": 18}
